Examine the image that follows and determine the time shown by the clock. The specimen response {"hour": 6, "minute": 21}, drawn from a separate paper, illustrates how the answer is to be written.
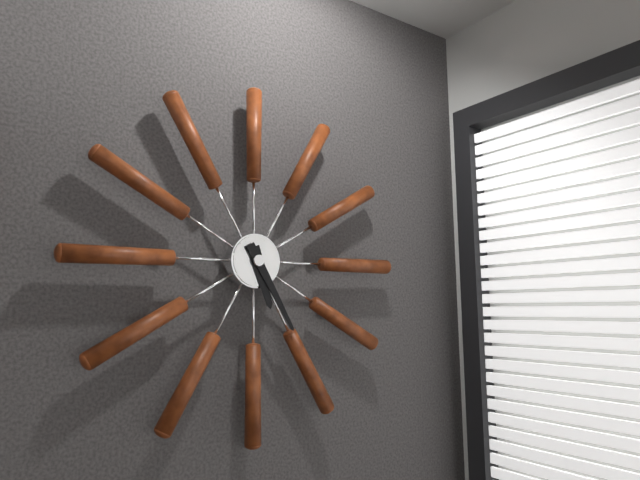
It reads {"hour": 5, "minute": 25}
